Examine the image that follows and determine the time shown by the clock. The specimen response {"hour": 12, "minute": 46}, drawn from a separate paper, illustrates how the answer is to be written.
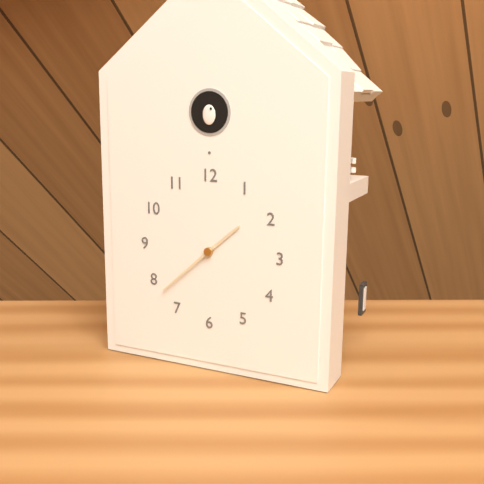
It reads {"hour": 1, "minute": 38}
